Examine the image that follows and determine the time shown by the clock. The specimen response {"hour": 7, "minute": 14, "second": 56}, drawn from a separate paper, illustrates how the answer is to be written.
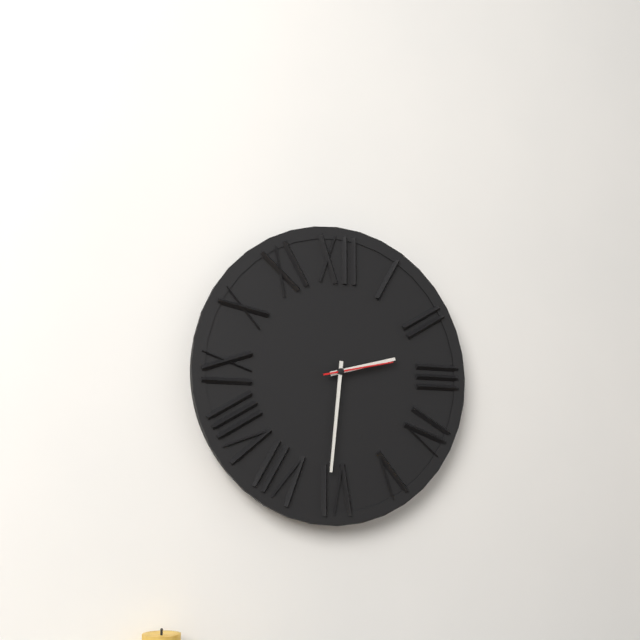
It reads {"hour": 2, "minute": 31, "second": 13}
